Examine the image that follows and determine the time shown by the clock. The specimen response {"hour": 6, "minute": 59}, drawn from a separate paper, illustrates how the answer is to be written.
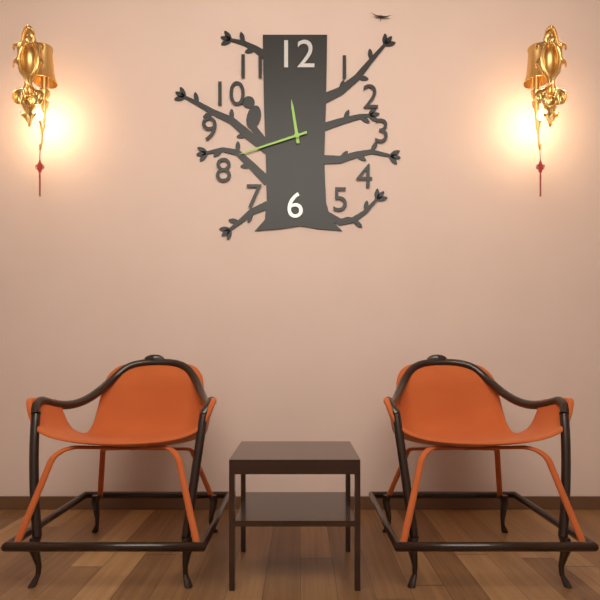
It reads {"hour": 11, "minute": 42}
